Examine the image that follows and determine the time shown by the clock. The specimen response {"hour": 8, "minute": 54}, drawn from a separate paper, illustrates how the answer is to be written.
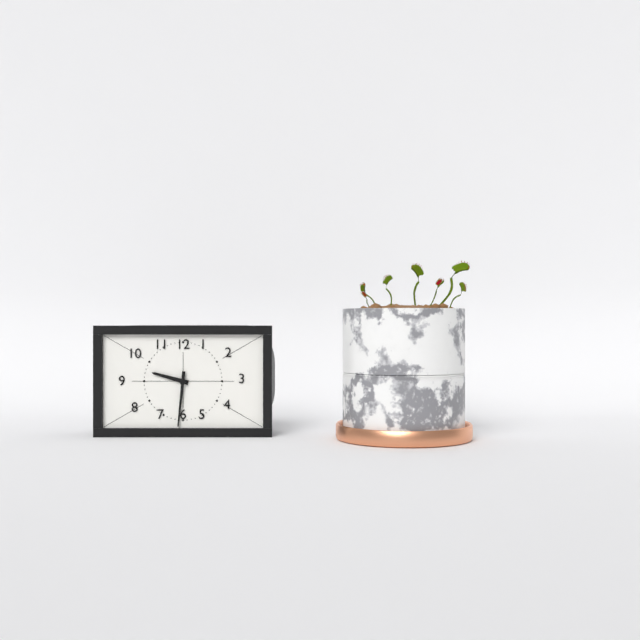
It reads {"hour": 9, "minute": 31}
